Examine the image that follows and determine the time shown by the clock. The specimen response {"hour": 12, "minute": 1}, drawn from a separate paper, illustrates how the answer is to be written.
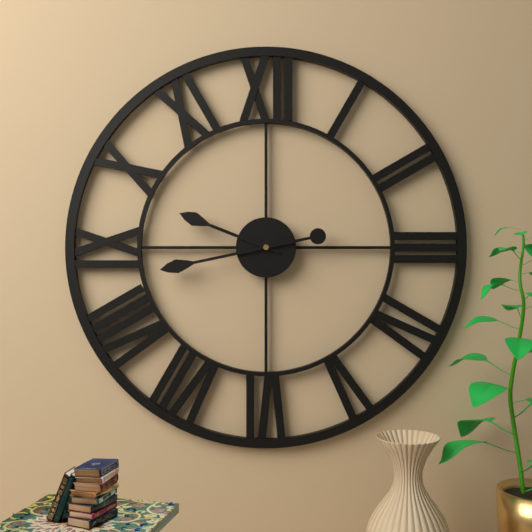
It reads {"hour": 9, "minute": 43}
